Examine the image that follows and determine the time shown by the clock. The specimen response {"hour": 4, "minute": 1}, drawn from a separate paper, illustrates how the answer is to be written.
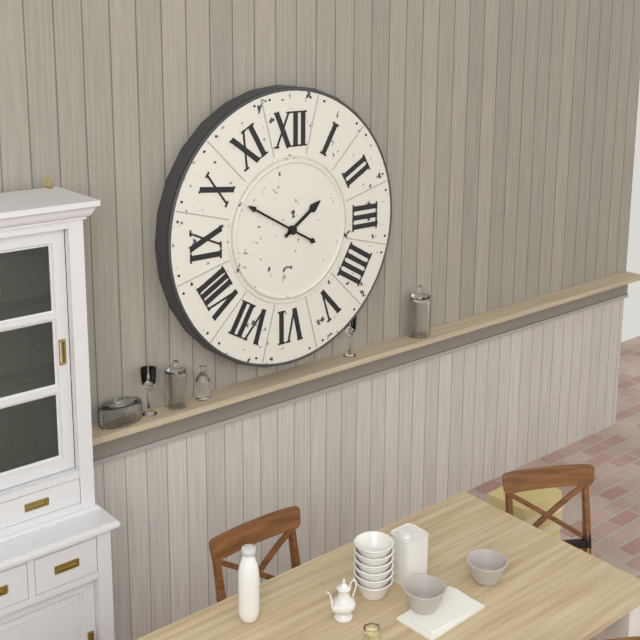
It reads {"hour": 1, "minute": 50}
